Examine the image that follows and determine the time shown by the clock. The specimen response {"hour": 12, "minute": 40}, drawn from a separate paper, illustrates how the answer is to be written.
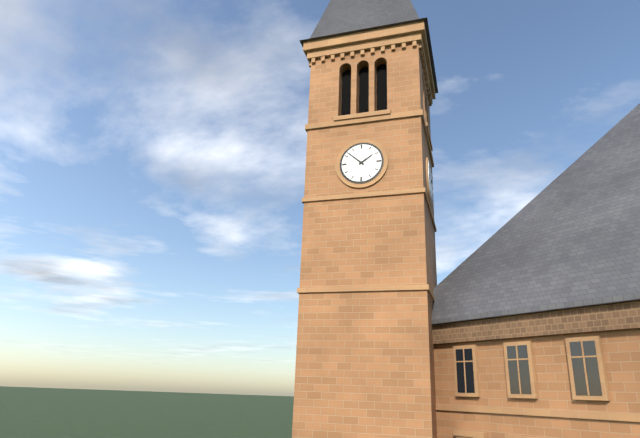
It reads {"hour": 1, "minute": 52}
